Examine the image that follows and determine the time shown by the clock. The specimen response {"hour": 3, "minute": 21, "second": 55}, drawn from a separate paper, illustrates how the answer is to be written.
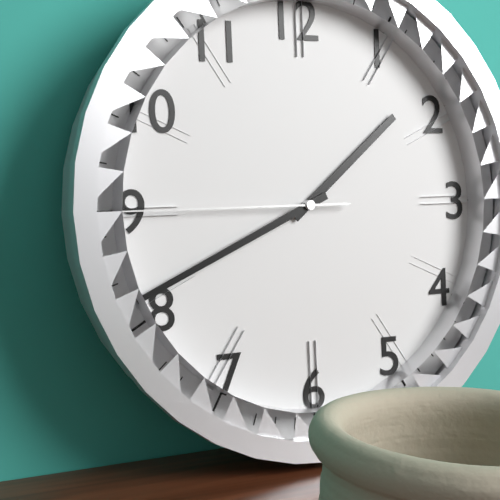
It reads {"hour": 1, "minute": 41, "second": 45}
